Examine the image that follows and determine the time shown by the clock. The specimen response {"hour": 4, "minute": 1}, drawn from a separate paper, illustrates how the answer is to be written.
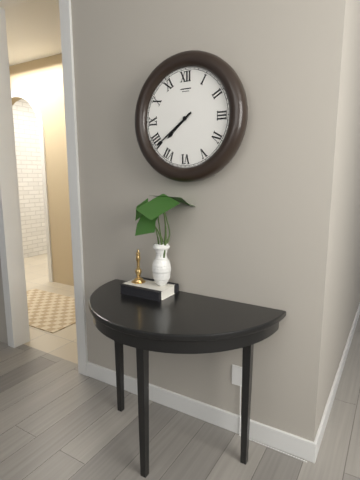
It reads {"hour": 7, "minute": 39}
